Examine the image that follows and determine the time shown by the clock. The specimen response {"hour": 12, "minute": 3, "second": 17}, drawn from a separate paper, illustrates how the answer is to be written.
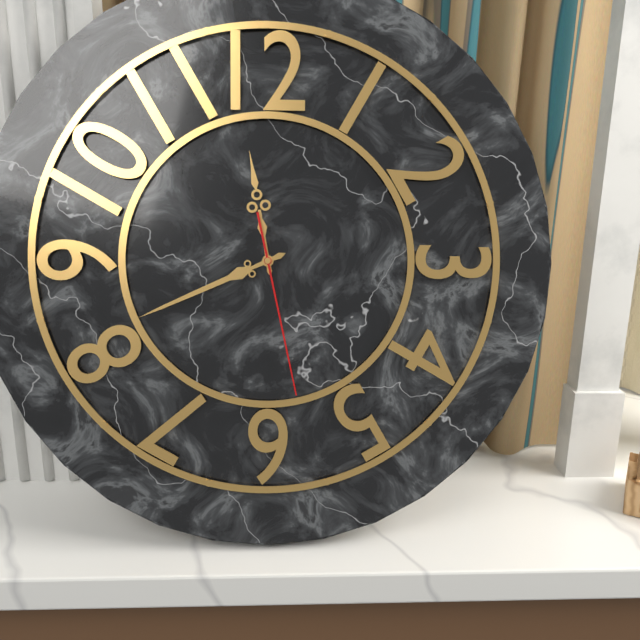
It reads {"hour": 11, "minute": 41, "second": 28}
